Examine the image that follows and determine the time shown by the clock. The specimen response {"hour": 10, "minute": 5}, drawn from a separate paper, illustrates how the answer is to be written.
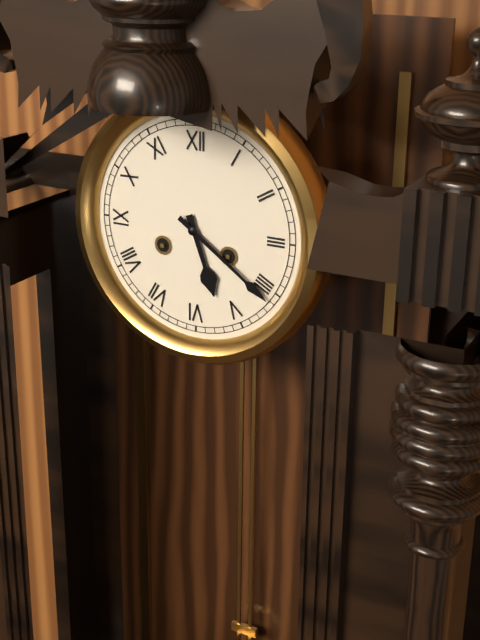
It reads {"hour": 5, "minute": 21}
